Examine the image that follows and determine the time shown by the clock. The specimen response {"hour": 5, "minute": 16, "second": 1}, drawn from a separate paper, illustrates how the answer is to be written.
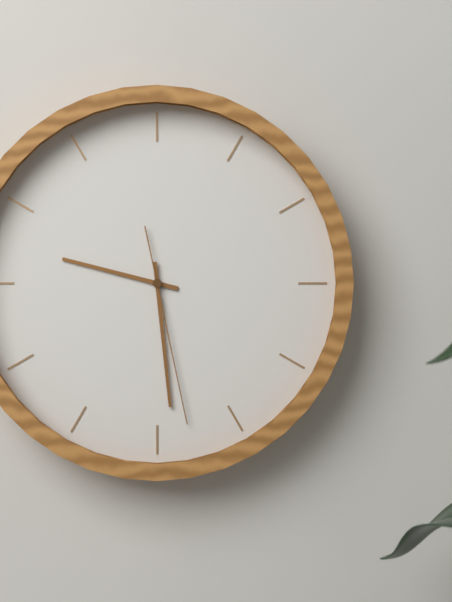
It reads {"hour": 9, "minute": 29, "second": 28}
